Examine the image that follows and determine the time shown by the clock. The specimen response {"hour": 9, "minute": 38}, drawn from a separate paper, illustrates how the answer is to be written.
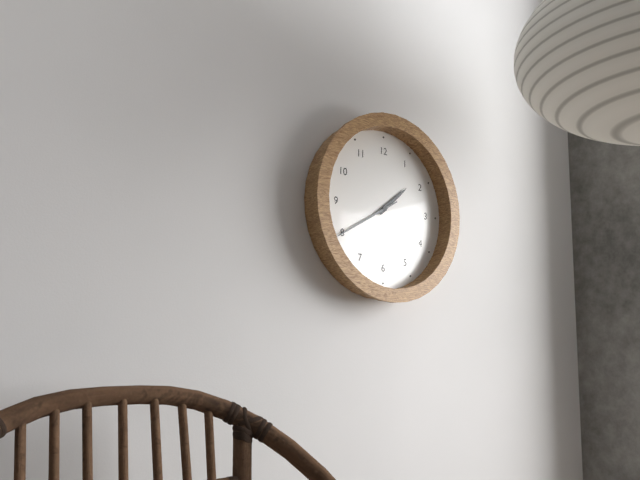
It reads {"hour": 1, "minute": 40}
